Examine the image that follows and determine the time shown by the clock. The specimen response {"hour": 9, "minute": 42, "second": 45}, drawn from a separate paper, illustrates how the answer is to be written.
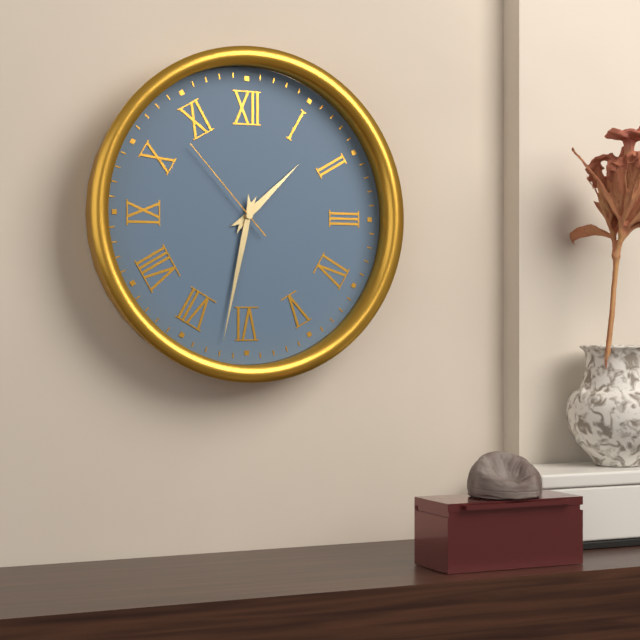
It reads {"hour": 1, "minute": 32, "second": 53}
